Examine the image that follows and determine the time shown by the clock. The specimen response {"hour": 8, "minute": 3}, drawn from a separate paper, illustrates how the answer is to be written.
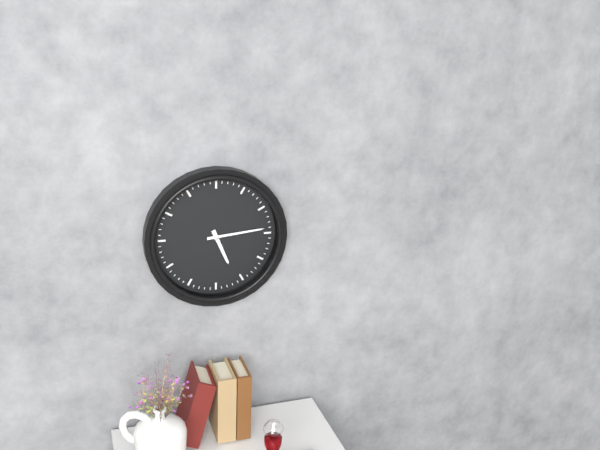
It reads {"hour": 5, "minute": 14}
